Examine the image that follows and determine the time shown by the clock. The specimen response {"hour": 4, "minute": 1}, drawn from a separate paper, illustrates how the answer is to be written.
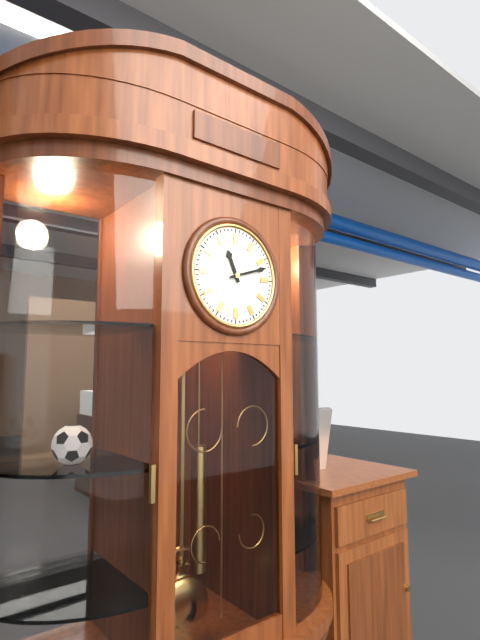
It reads {"hour": 11, "minute": 12}
